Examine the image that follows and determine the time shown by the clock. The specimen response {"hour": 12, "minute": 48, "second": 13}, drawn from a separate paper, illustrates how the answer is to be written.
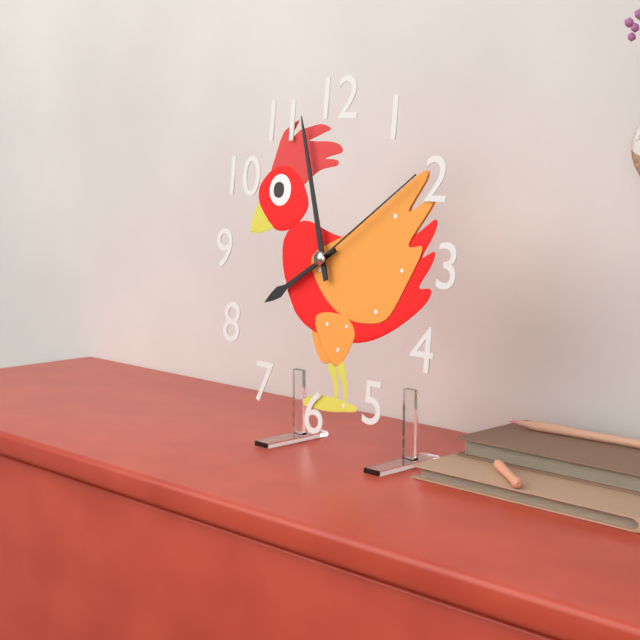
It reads {"hour": 7, "minute": 57, "second": 9}
